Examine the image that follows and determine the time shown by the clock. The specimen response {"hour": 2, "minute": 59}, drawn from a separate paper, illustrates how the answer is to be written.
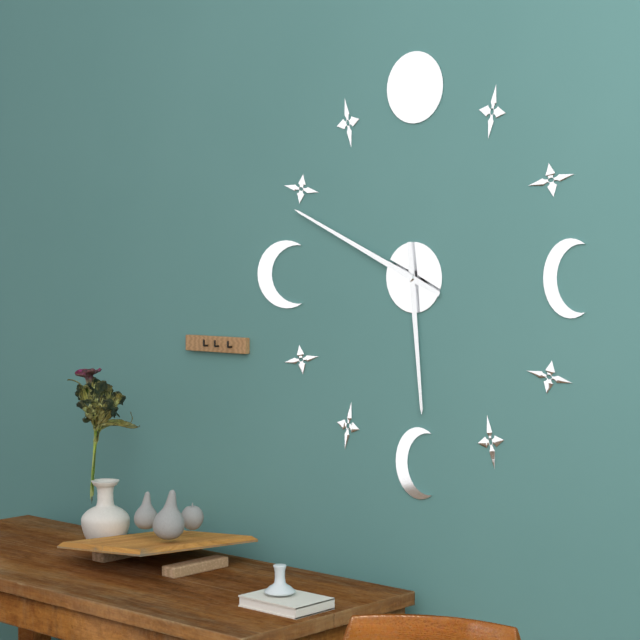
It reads {"hour": 5, "minute": 49}
